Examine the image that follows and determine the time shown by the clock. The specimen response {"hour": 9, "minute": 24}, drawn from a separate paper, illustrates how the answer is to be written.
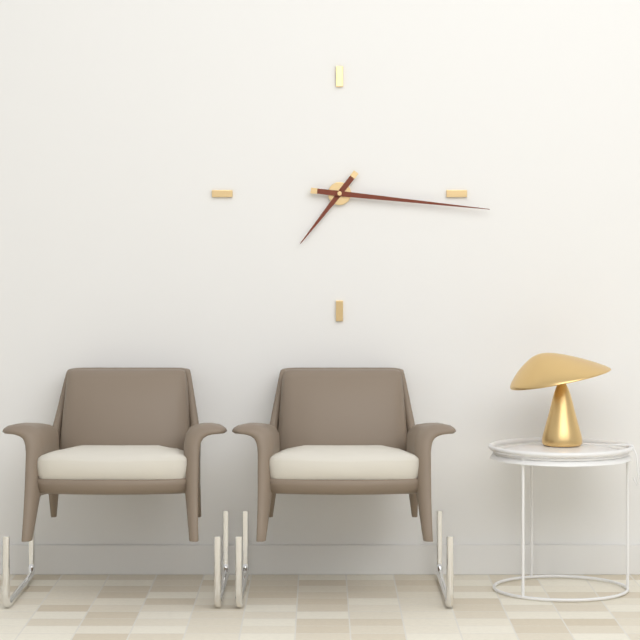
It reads {"hour": 7, "minute": 16}
